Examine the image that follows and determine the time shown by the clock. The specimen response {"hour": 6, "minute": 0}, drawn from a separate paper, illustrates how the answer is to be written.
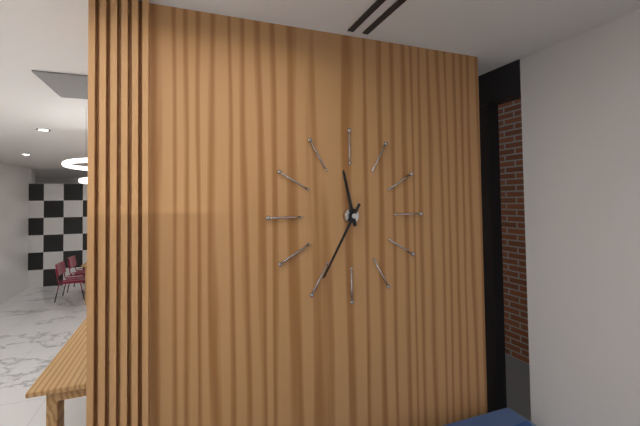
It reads {"hour": 11, "minute": 35}
